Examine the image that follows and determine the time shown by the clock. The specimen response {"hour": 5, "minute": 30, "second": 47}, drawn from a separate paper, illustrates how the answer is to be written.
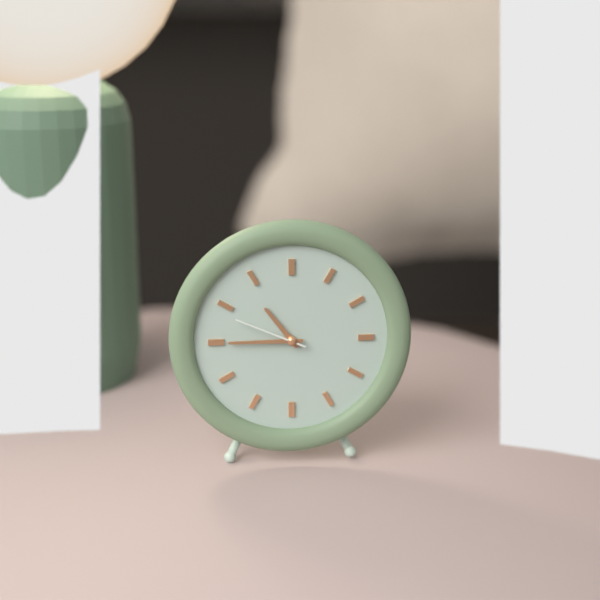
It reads {"hour": 10, "minute": 45, "second": 49}
